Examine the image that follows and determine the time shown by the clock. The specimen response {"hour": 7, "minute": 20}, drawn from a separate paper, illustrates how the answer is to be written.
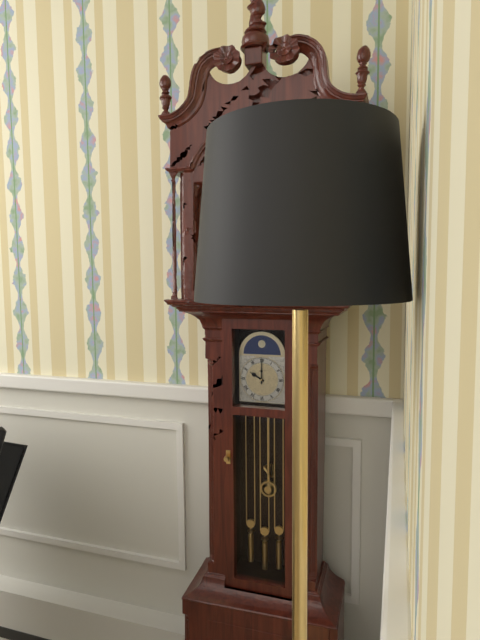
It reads {"hour": 10, "minute": 0}
